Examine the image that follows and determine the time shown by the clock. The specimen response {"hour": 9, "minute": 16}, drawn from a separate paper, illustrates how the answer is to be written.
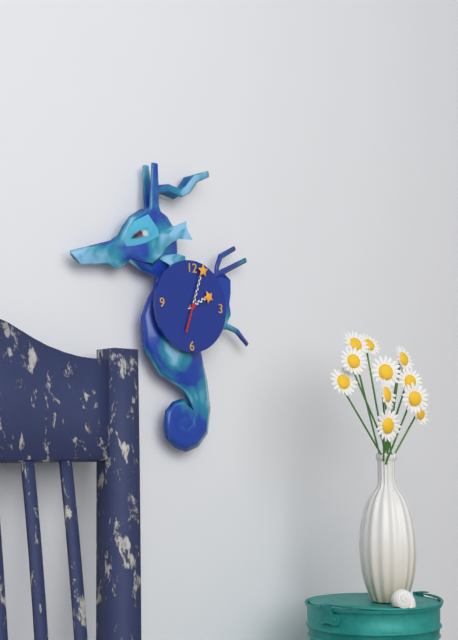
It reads {"hour": 2, "minute": 3}
